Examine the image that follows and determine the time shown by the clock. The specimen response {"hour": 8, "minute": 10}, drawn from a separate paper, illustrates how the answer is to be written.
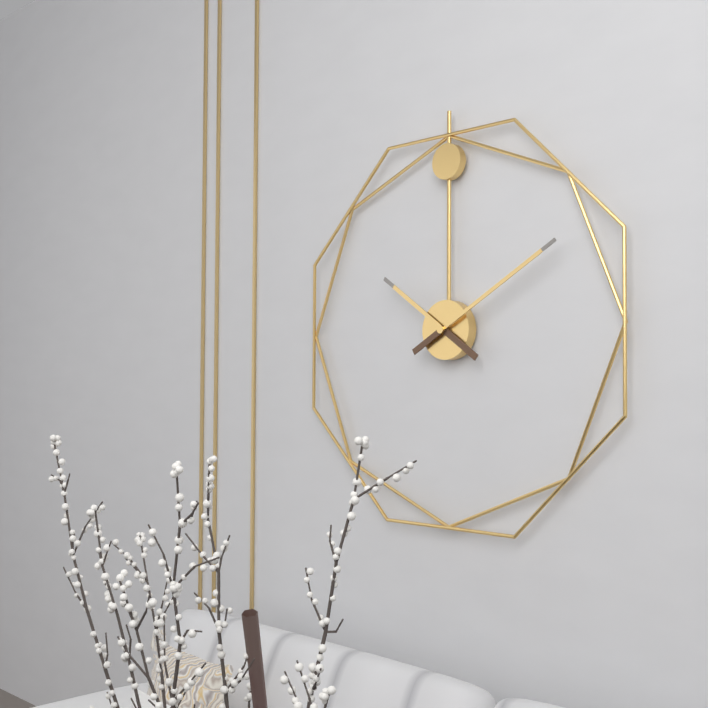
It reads {"hour": 10, "minute": 10}
